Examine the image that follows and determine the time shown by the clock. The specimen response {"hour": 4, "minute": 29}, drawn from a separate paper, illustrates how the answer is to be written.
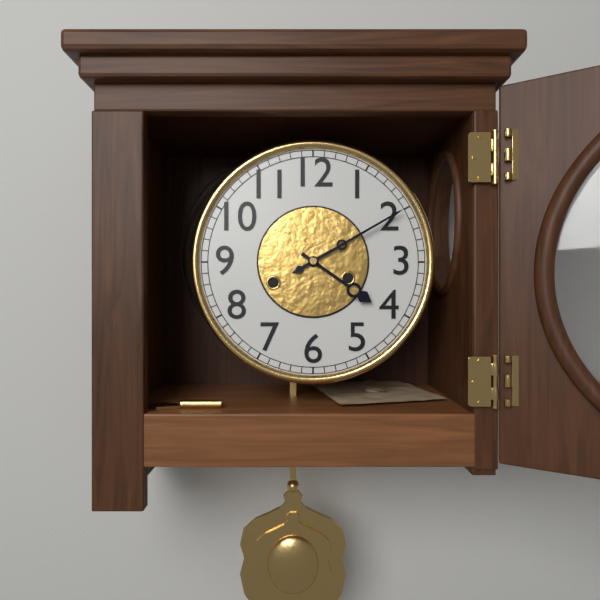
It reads {"hour": 4, "minute": 10}
